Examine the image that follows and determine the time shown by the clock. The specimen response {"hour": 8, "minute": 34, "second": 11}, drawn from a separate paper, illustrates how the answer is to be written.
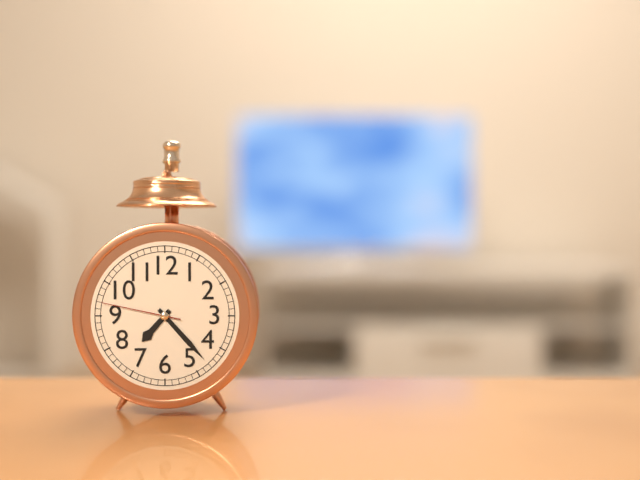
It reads {"hour": 7, "minute": 23, "second": 47}
